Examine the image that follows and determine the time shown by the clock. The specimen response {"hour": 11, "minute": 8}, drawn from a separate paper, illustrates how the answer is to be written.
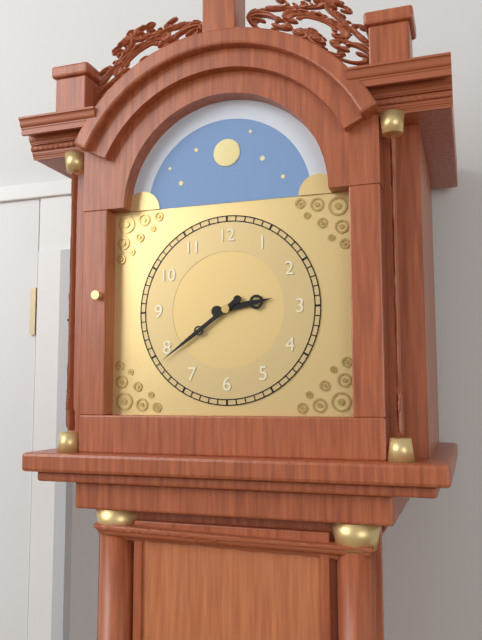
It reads {"hour": 2, "minute": 39}
